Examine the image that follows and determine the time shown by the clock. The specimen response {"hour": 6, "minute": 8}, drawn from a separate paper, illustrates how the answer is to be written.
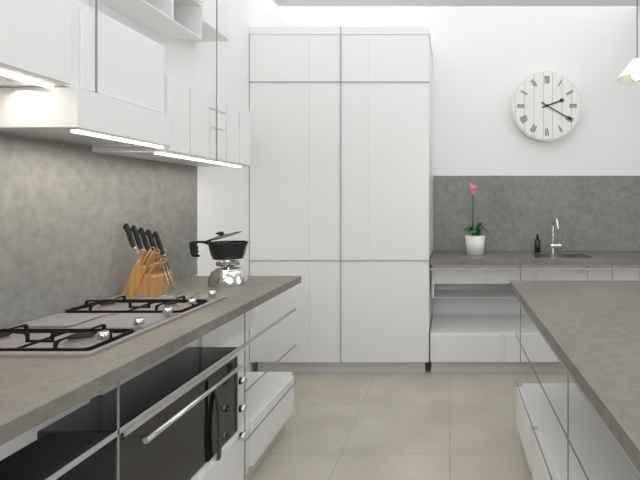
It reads {"hour": 2, "minute": 20}
